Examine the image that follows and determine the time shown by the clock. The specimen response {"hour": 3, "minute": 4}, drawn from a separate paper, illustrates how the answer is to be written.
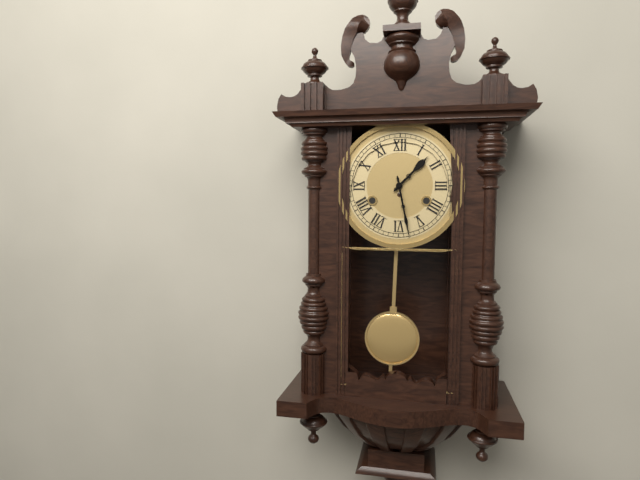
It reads {"hour": 1, "minute": 28}
